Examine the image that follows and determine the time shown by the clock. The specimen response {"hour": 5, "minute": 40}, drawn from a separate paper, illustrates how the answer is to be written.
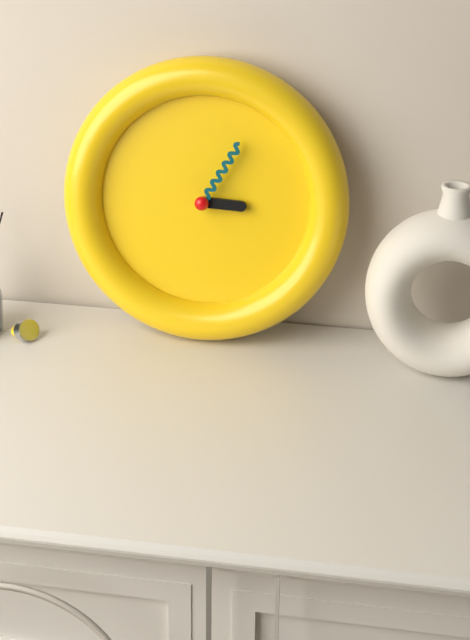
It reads {"hour": 3, "minute": 5}
